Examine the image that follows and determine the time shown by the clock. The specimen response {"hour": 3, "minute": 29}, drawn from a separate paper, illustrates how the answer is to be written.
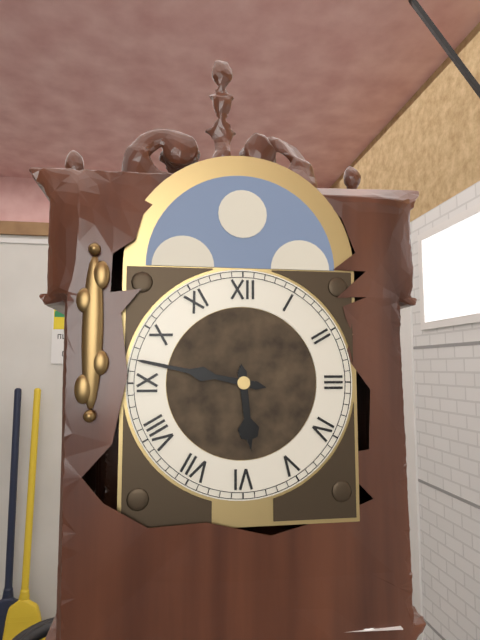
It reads {"hour": 5, "minute": 47}
